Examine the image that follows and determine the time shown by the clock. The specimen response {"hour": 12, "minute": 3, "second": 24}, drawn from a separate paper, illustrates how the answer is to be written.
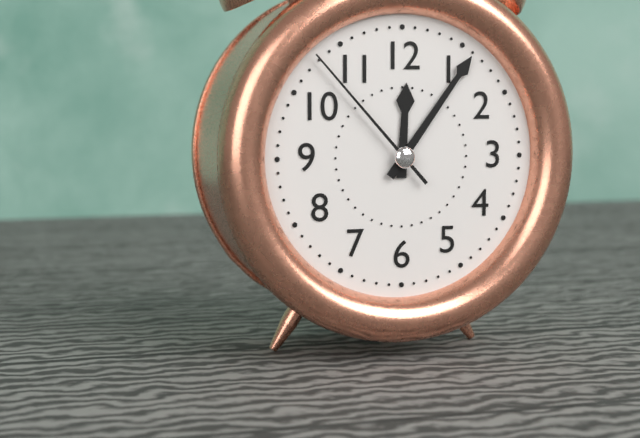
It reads {"hour": 12, "minute": 6, "second": 53}
